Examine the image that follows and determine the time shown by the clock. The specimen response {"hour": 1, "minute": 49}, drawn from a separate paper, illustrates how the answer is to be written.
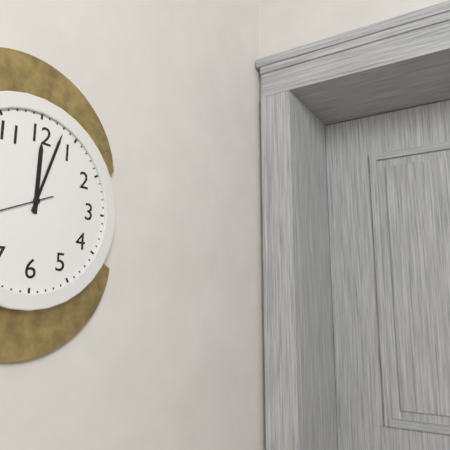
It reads {"hour": 12, "minute": 3}
